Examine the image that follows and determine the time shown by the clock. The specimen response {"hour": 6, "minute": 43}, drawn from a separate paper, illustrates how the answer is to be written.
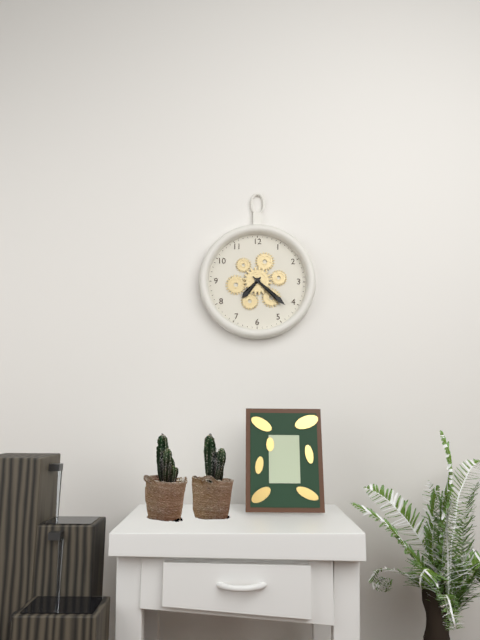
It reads {"hour": 7, "minute": 22}
